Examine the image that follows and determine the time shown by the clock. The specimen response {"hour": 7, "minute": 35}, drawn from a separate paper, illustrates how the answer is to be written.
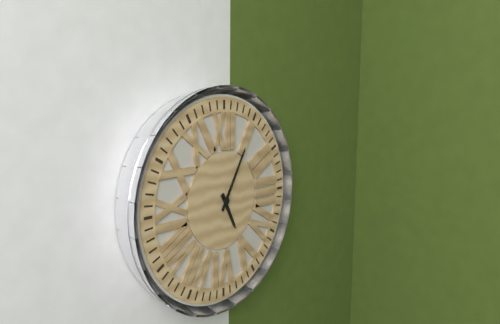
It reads {"hour": 5, "minute": 5}
